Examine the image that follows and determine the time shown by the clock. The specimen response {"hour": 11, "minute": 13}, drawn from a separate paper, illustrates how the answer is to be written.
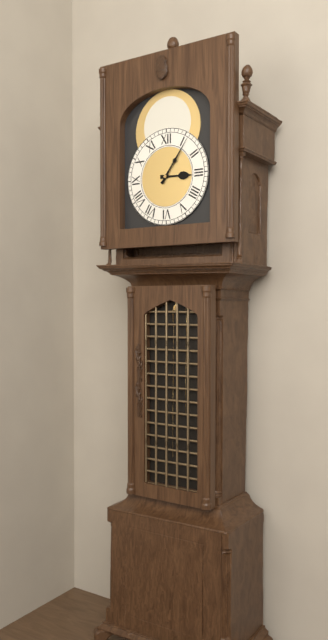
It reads {"hour": 3, "minute": 6}
